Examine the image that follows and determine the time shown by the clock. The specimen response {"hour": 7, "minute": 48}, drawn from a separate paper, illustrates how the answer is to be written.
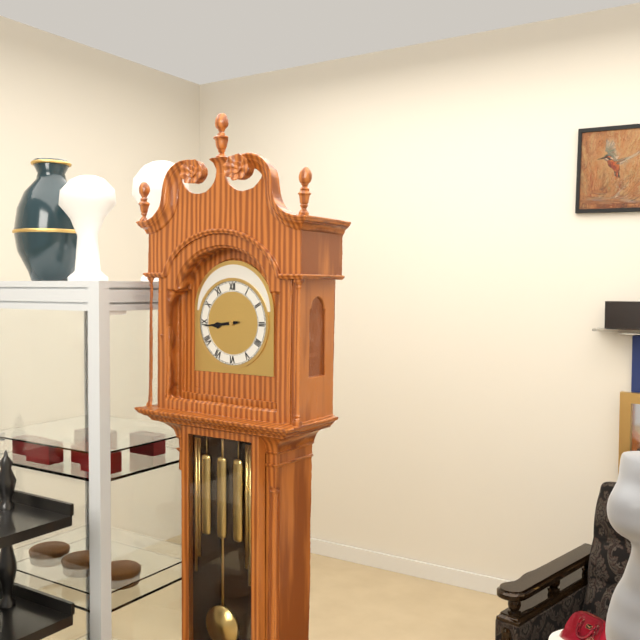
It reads {"hour": 8, "minute": 44}
